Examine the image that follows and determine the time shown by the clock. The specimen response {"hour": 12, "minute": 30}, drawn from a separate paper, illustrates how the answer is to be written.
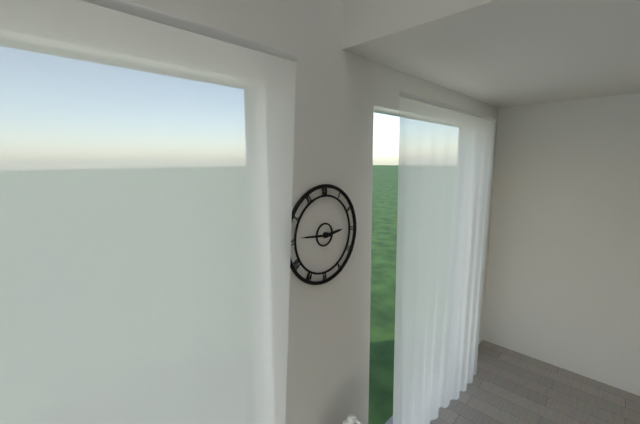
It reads {"hour": 2, "minute": 46}
